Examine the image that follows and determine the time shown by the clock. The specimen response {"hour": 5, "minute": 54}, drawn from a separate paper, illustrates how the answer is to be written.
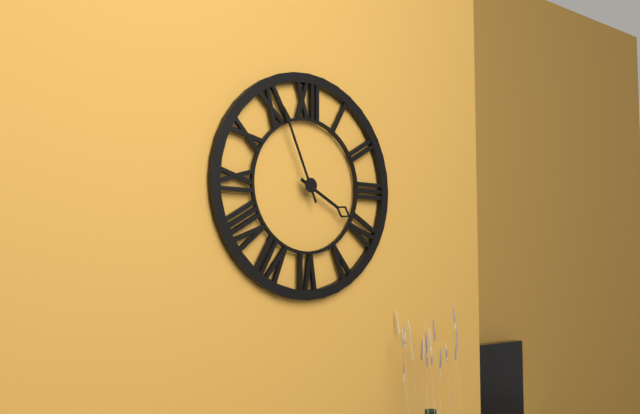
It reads {"hour": 3, "minute": 56}
